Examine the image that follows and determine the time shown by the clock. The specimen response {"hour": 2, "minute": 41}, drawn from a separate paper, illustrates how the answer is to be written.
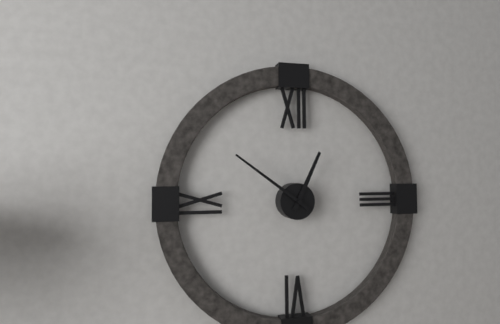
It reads {"hour": 12, "minute": 51}
